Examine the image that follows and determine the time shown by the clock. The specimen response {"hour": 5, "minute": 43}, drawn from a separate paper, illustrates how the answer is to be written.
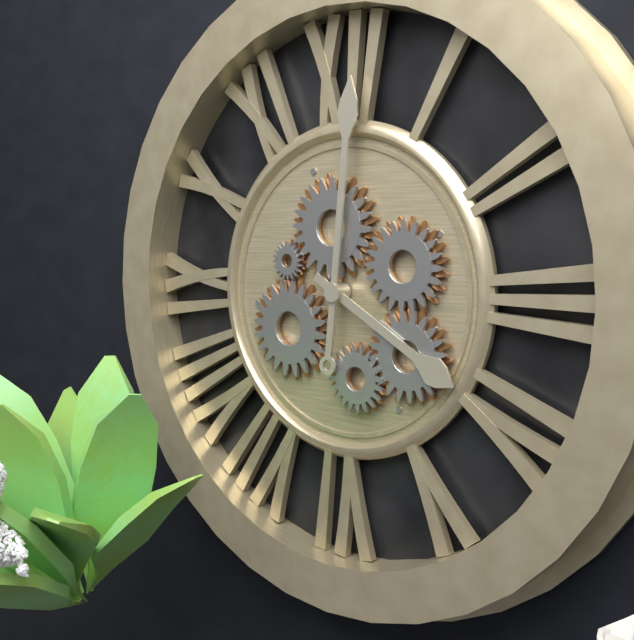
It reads {"hour": 4, "minute": 1}
